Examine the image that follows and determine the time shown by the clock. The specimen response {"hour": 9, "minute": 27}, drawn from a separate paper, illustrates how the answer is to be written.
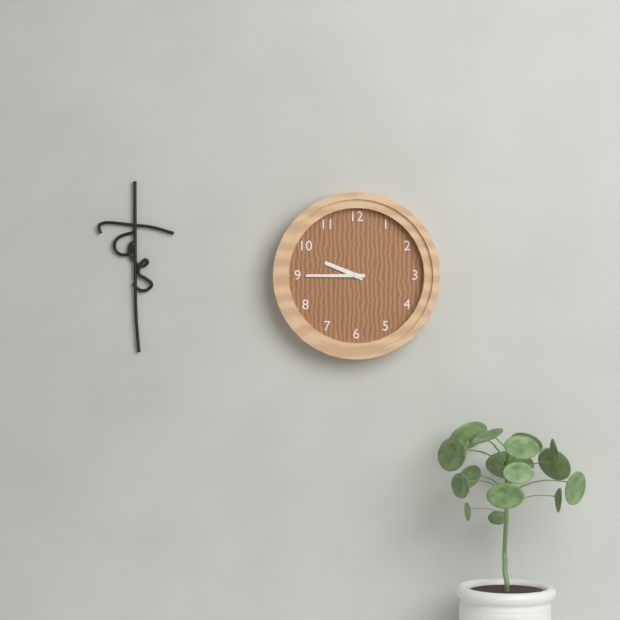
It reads {"hour": 9, "minute": 45}
